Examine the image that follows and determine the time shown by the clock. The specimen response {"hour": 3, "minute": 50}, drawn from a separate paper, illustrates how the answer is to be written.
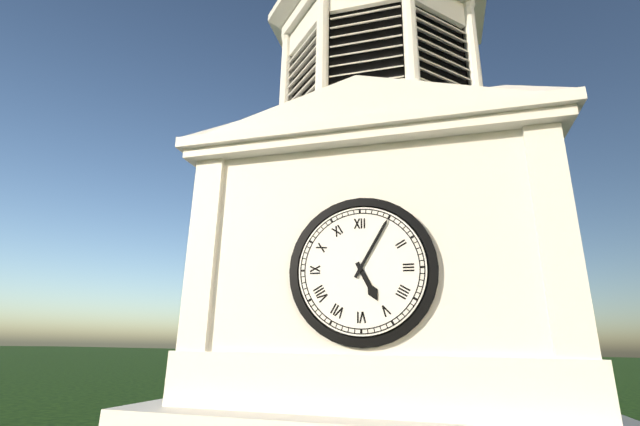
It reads {"hour": 5, "minute": 5}
